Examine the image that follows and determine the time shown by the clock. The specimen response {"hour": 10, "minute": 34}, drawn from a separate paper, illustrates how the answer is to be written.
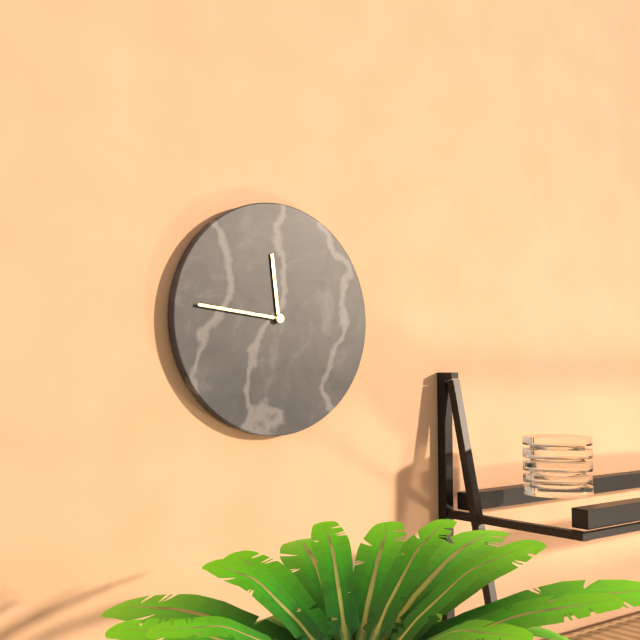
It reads {"hour": 11, "minute": 46}
